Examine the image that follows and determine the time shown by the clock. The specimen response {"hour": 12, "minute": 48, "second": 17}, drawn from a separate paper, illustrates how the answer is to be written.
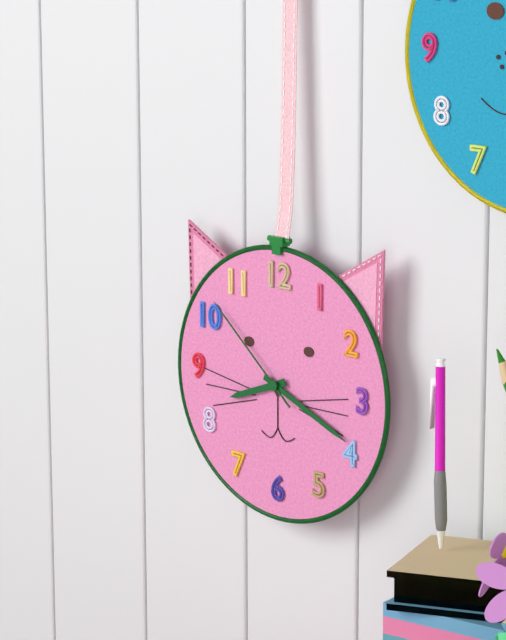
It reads {"hour": 8, "minute": 19, "second": 52}
